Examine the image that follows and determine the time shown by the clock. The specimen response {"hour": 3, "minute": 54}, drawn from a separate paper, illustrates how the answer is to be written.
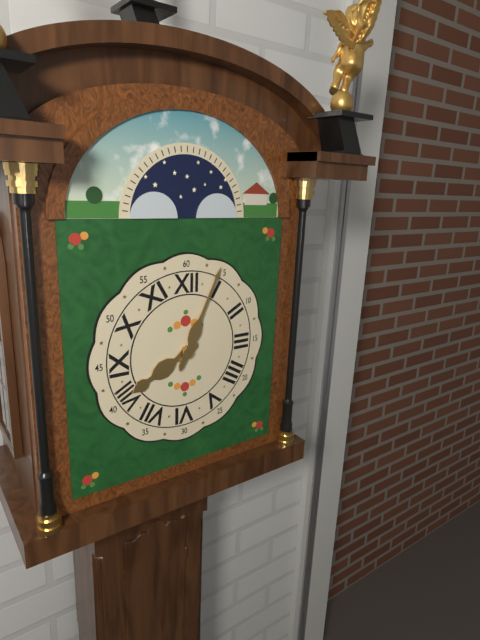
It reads {"hour": 8, "minute": 4}
